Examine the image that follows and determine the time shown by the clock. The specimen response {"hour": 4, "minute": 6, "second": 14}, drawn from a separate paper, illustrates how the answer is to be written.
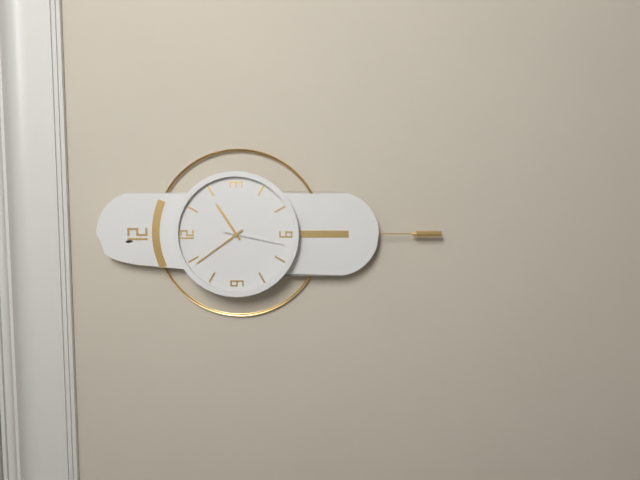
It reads {"hour": 1, "minute": 54, "second": 32}
